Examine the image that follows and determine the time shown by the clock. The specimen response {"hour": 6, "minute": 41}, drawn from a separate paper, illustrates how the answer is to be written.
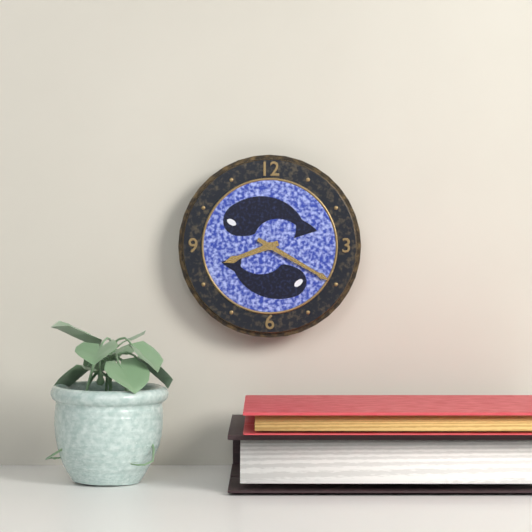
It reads {"hour": 8, "minute": 20}
